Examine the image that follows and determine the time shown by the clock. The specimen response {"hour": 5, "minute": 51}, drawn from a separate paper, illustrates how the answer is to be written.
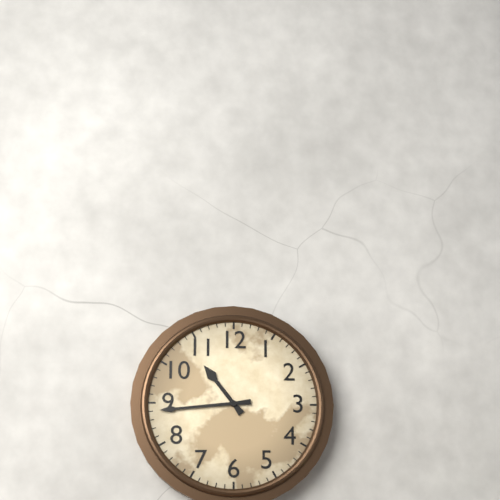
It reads {"hour": 10, "minute": 44}
